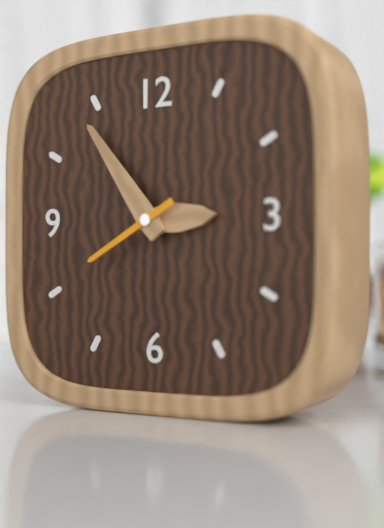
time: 2:54:40
